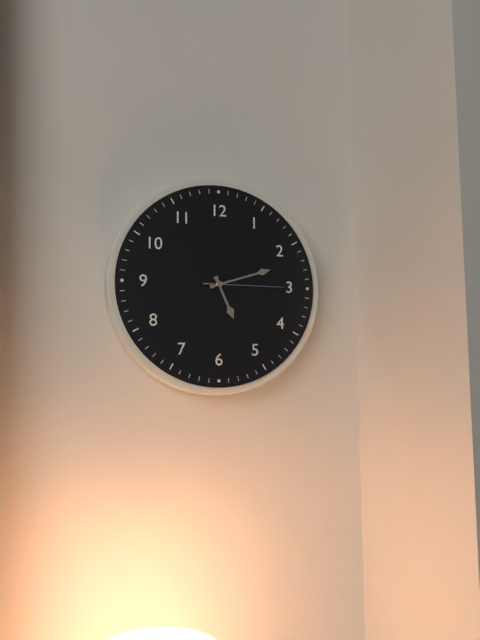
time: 5:12:15
